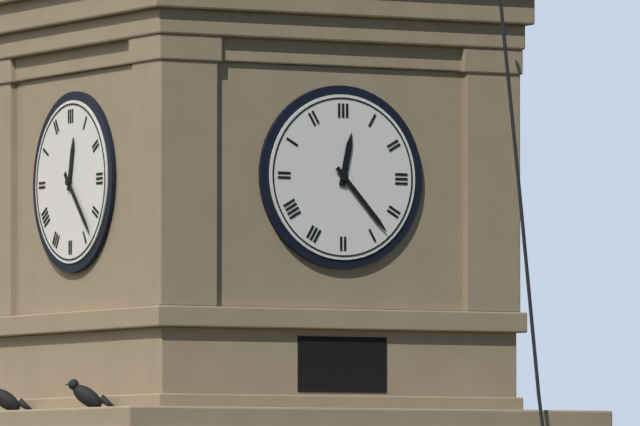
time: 12:23
